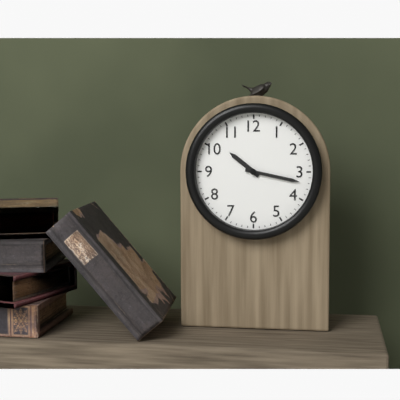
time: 10:17
